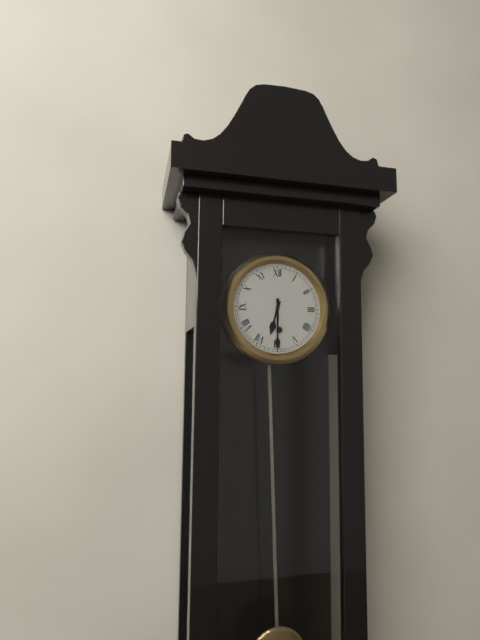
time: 6:30
